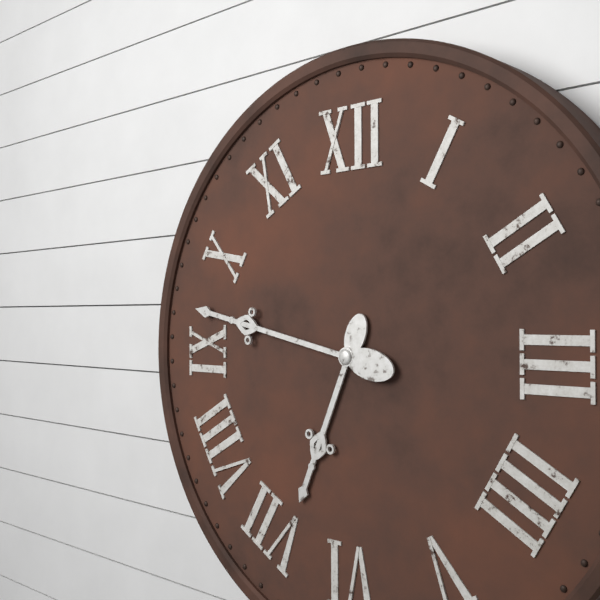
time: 6:47
